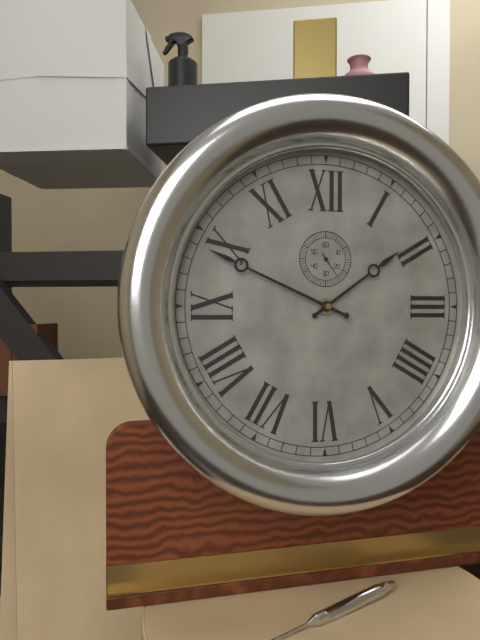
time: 1:49
